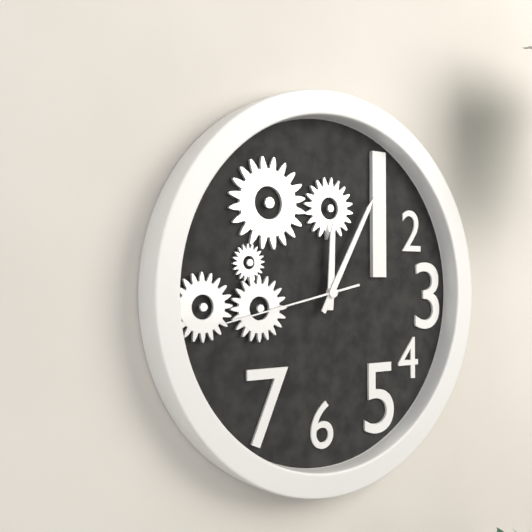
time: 12:05:43
